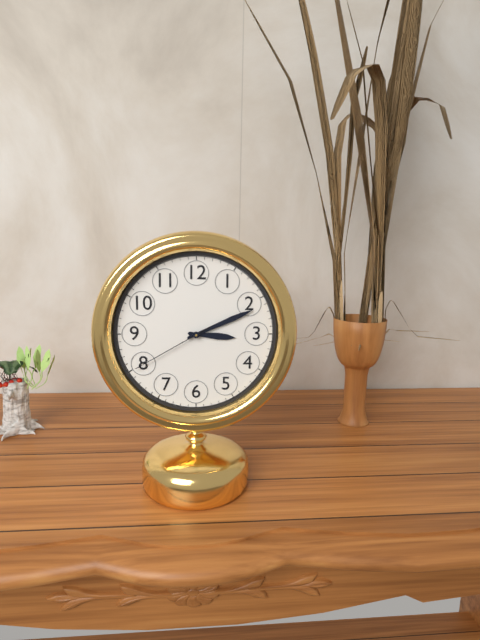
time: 3:11:40
